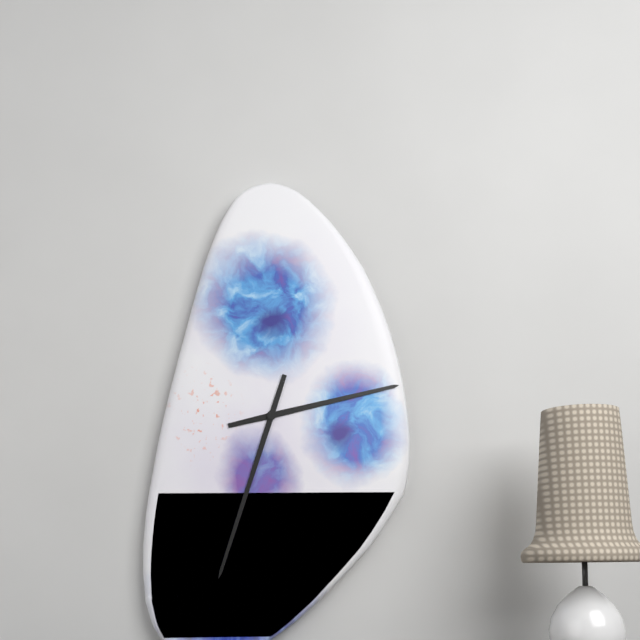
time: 2:33
